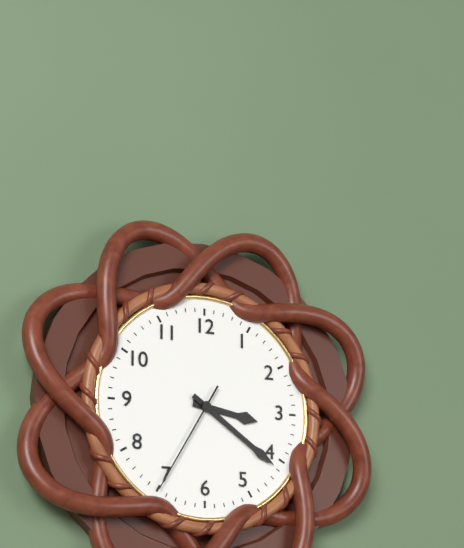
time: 3:21:35
